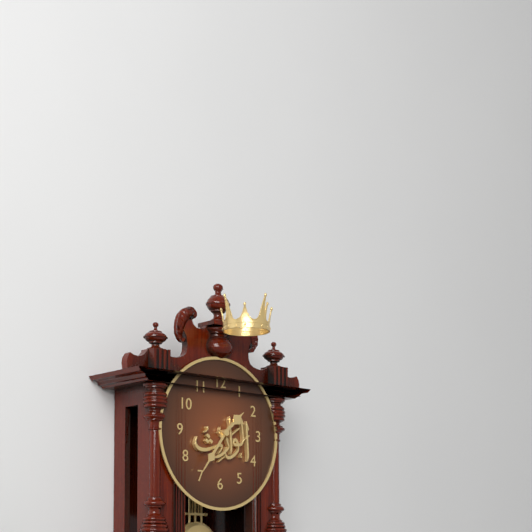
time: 1:36
